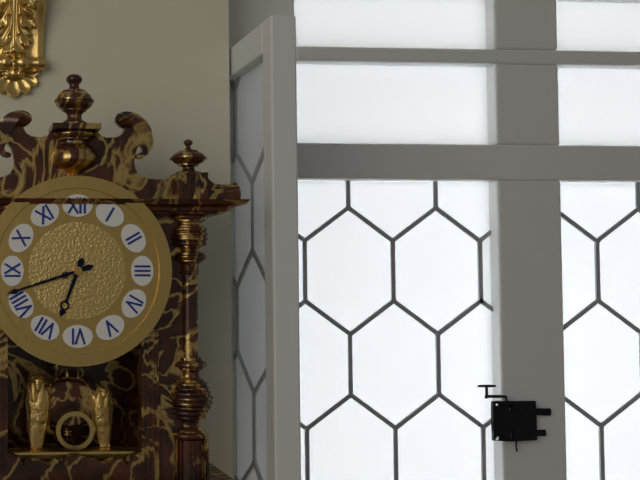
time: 6:42
